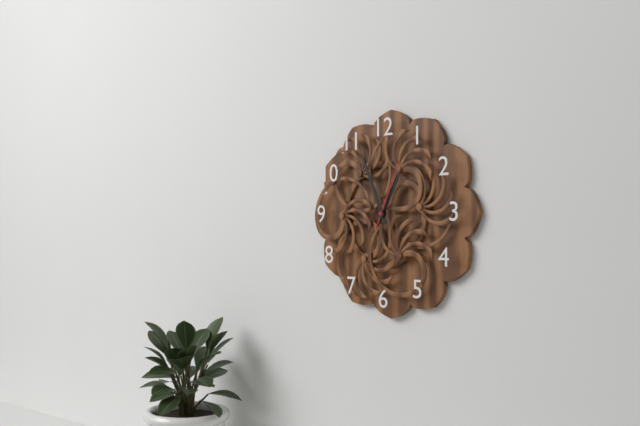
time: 12:56:04
